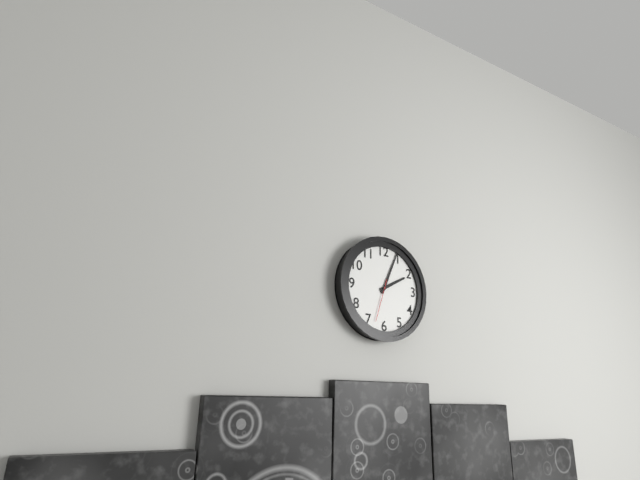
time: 2:04
